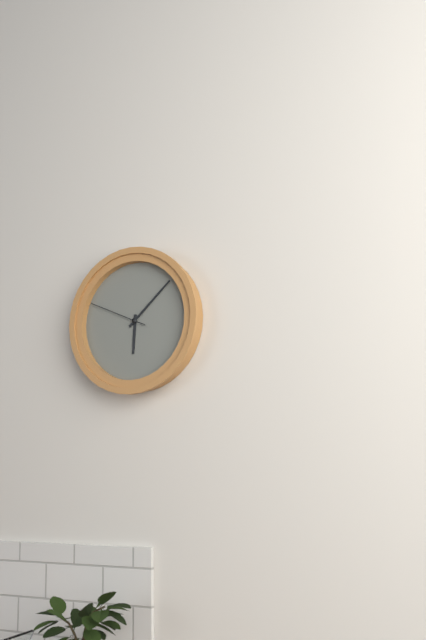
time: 6:08:49
